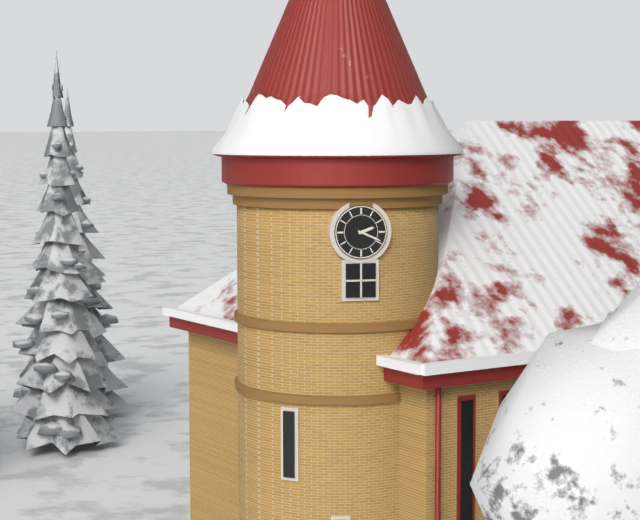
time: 2:19
